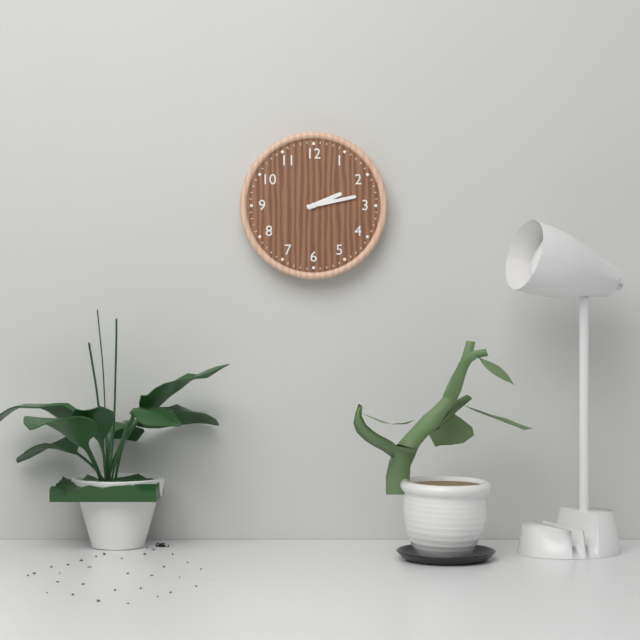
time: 2:13
